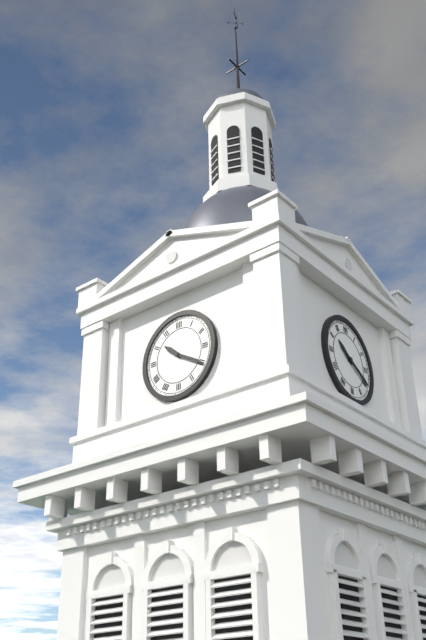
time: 10:20
